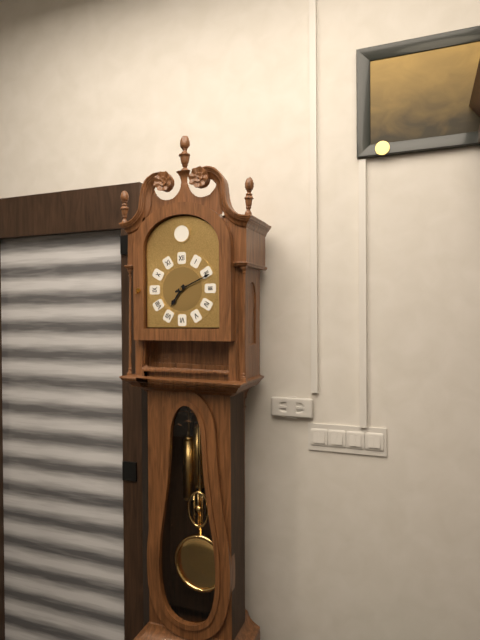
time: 7:11
